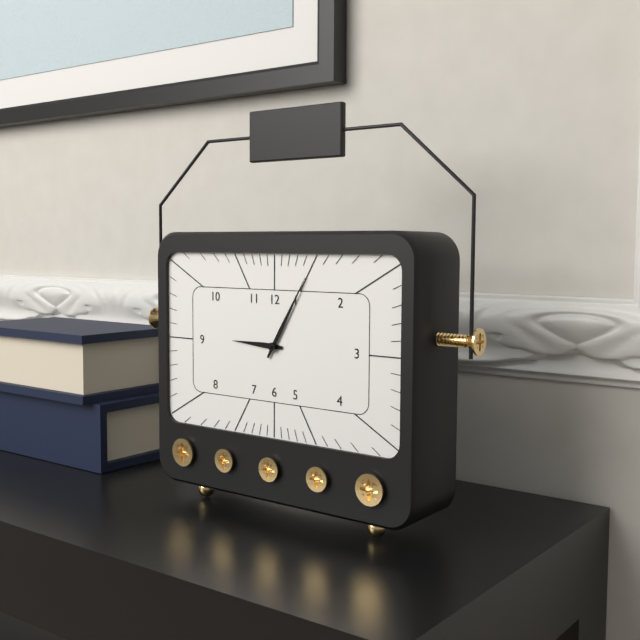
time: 9:05
